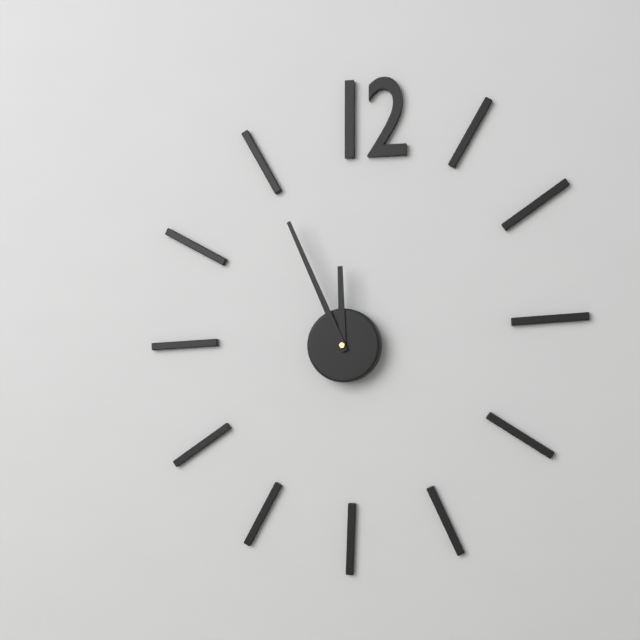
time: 11:56
